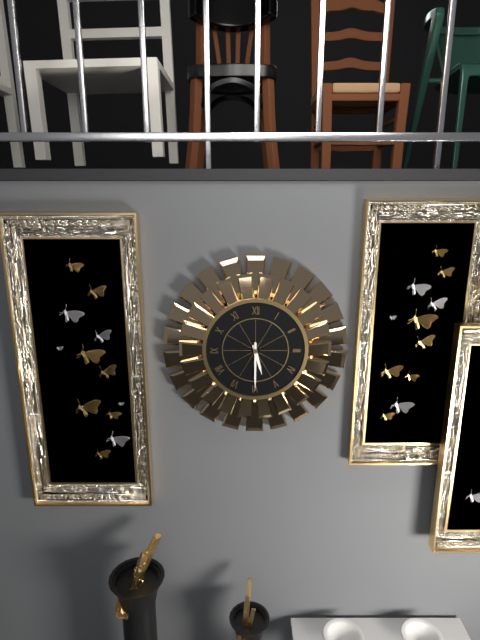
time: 5:30
